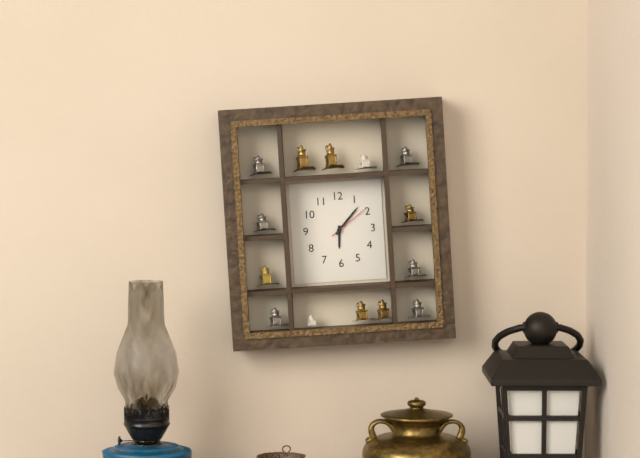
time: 6:07
